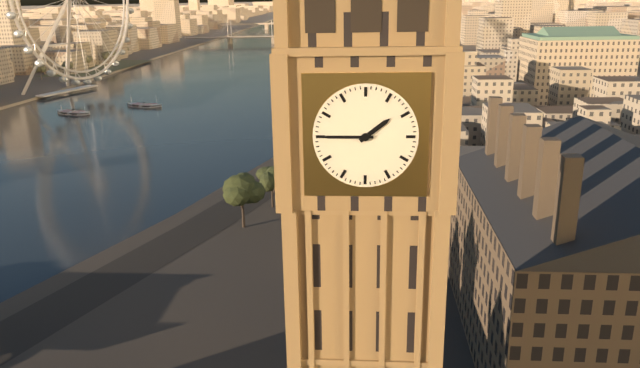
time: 1:45
